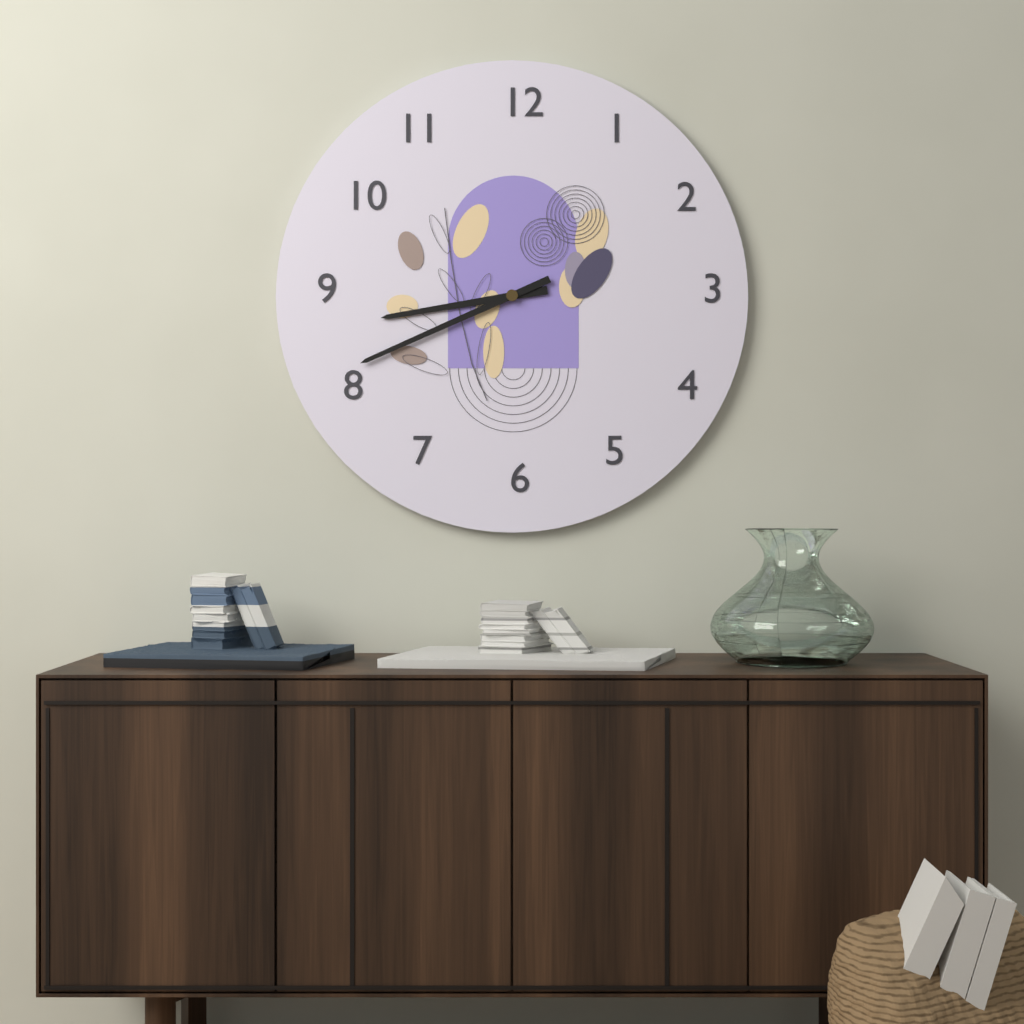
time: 8:41
